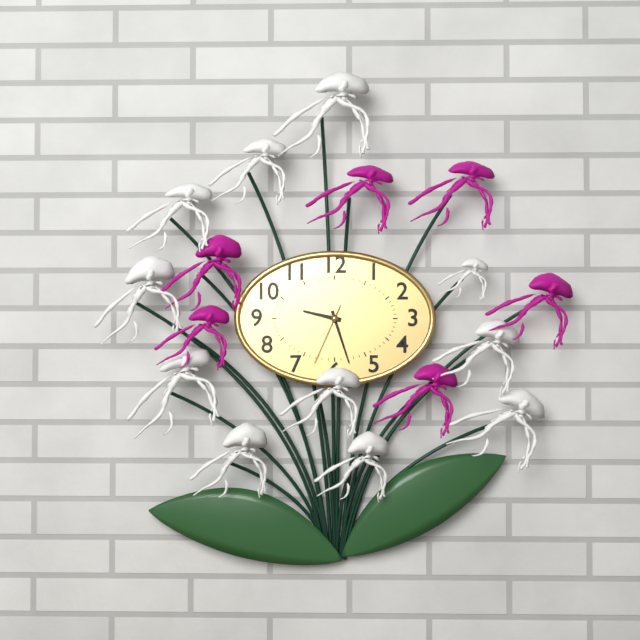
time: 9:27:34
